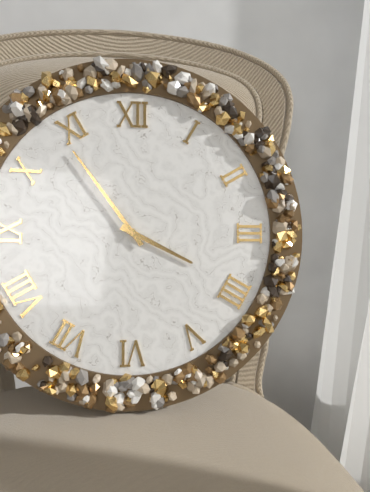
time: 3:54
